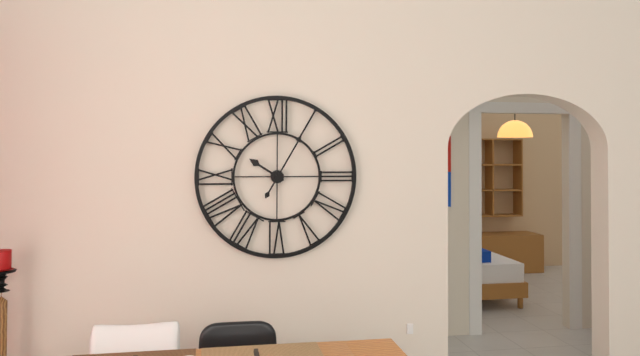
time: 10:05
